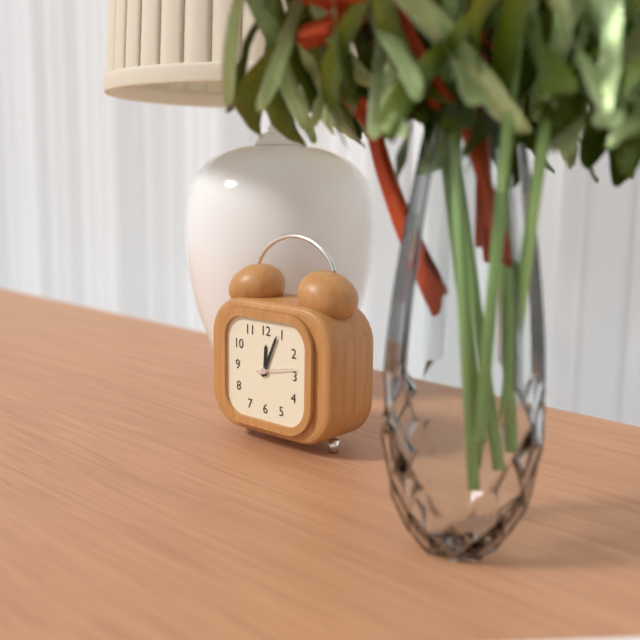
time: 12:04
